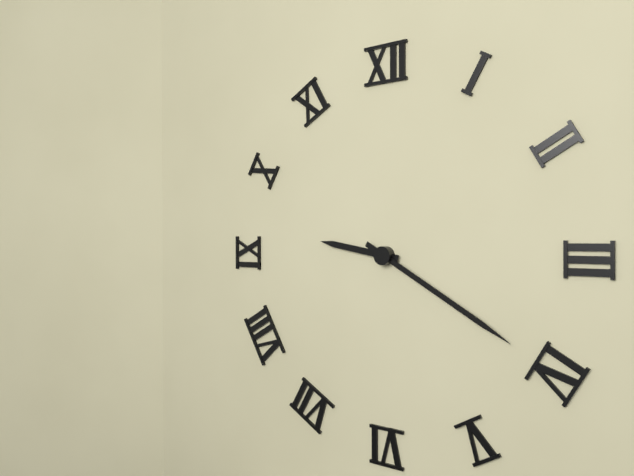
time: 9:20
